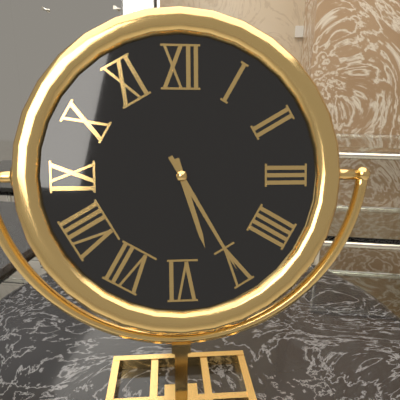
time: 5:25
